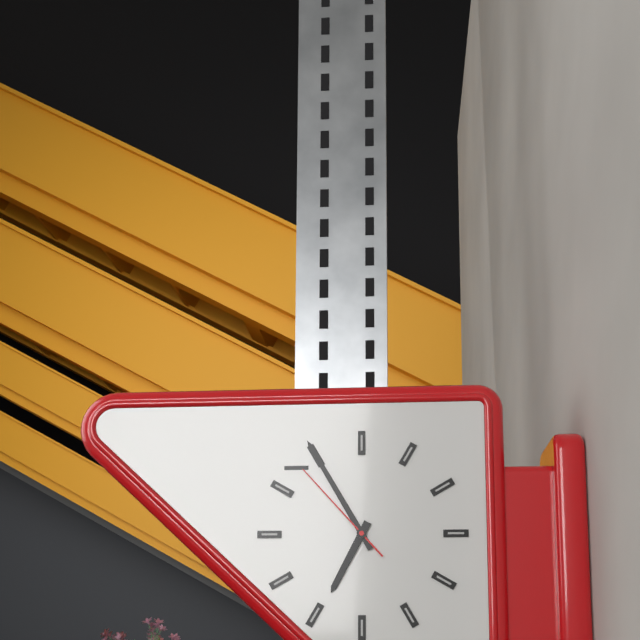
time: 6:55:53
